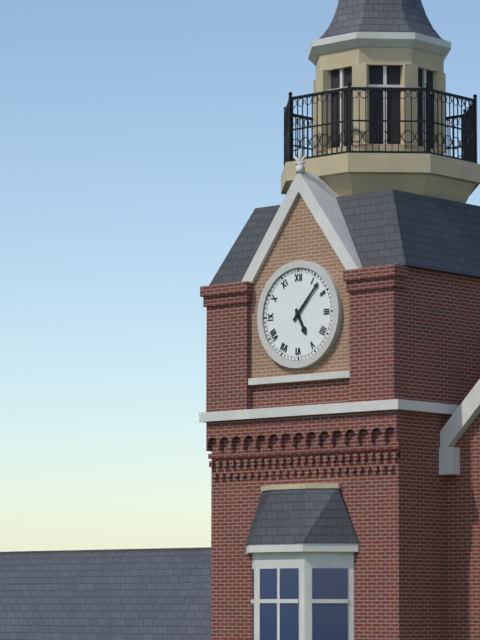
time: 5:07
